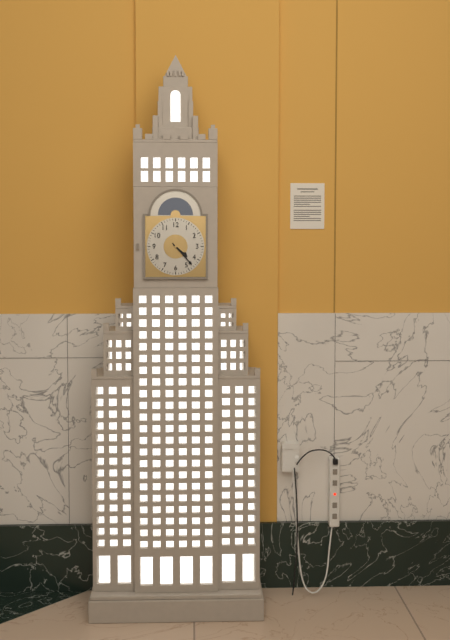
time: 4:23
